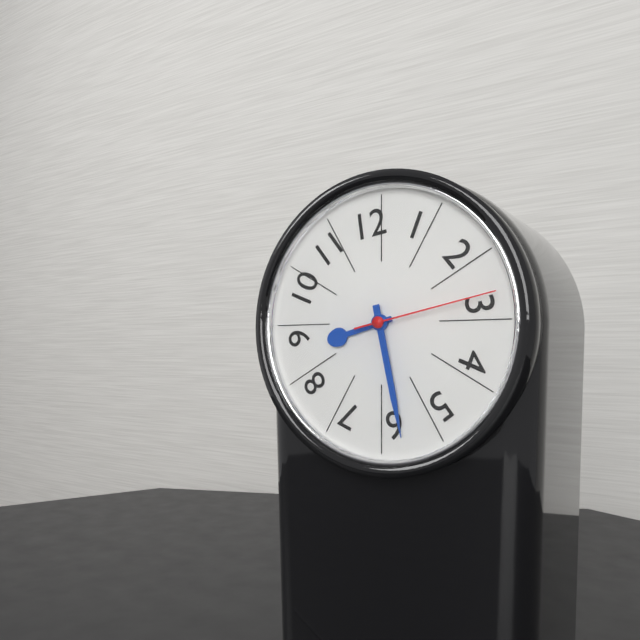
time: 8:28:13
